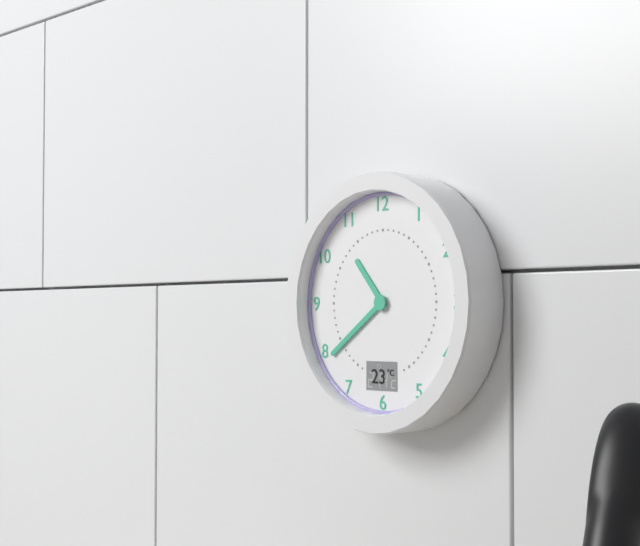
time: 10:39
